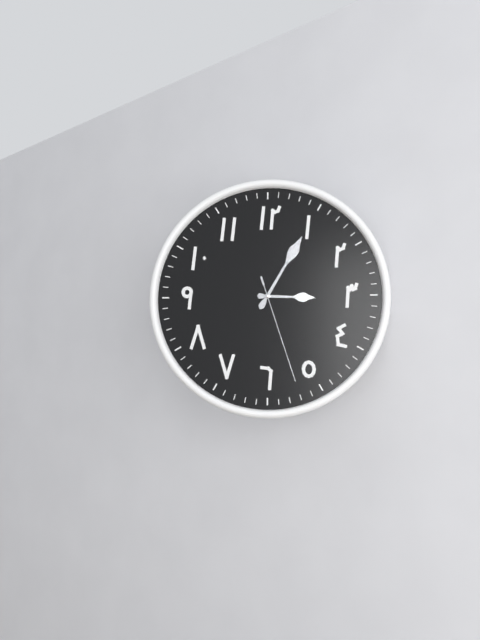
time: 3:05:27
